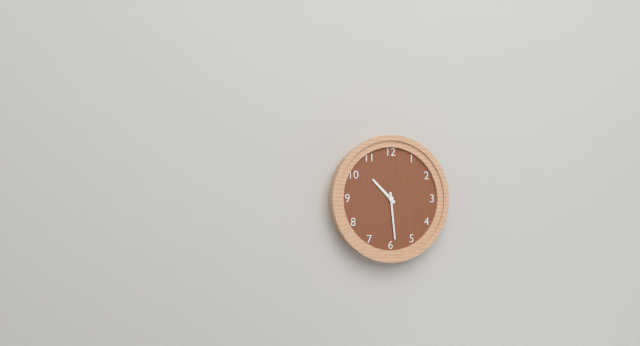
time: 10:29
